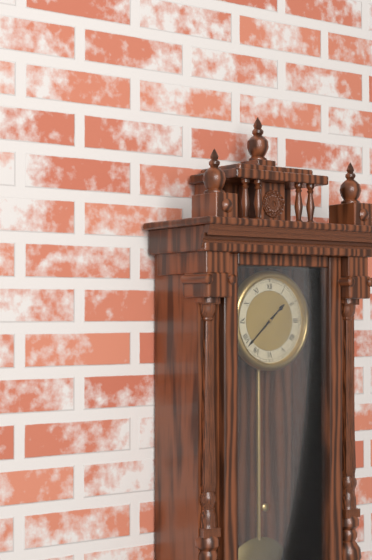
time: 1:38
